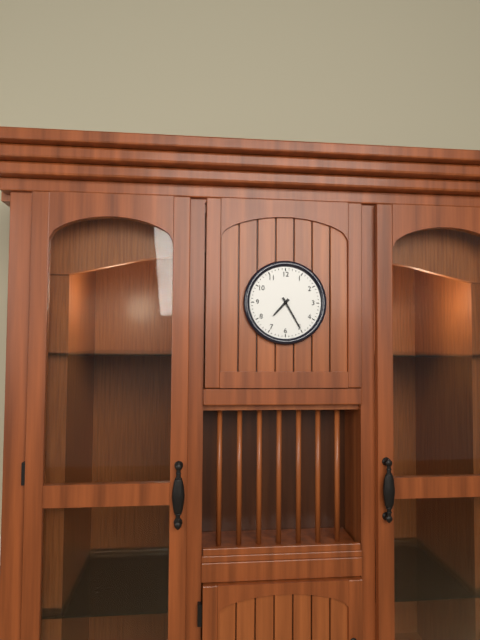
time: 7:25
